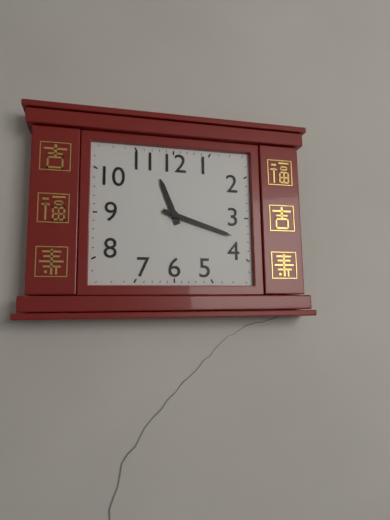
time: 11:18
